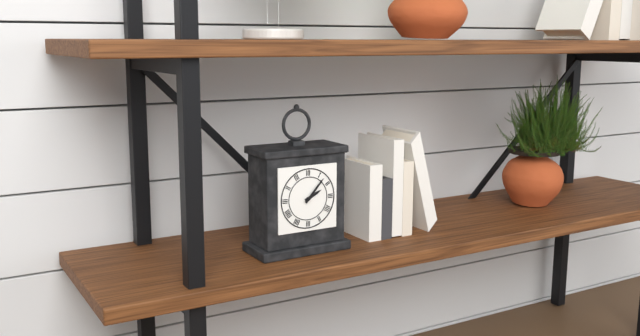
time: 2:07
